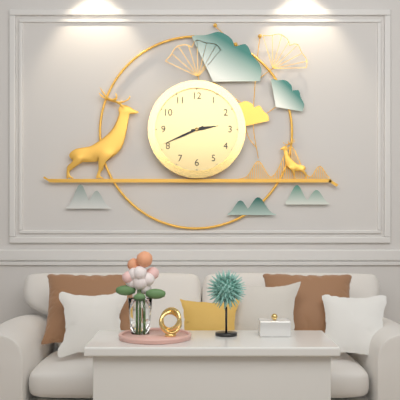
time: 2:41
